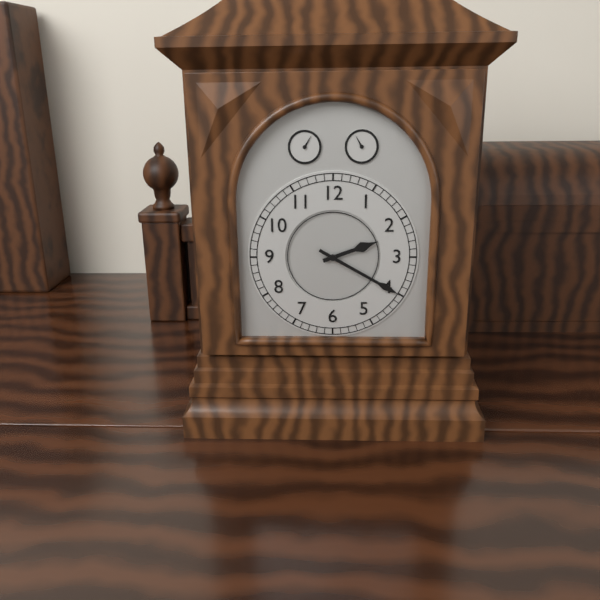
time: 2:20
